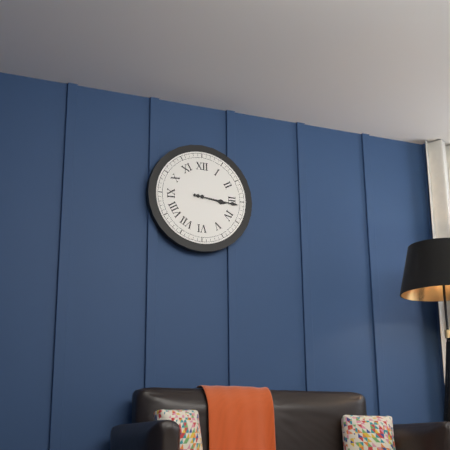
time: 3:16
